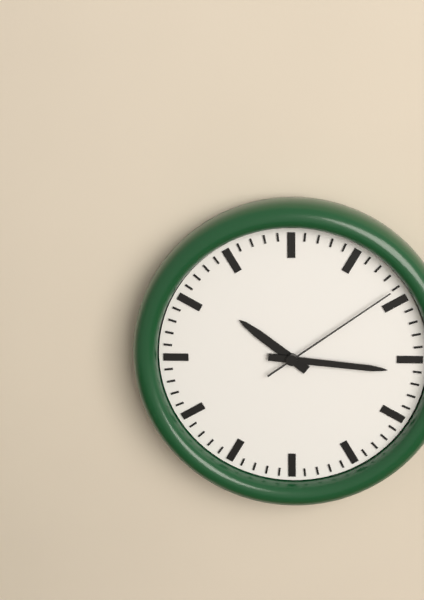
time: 10:16:09
